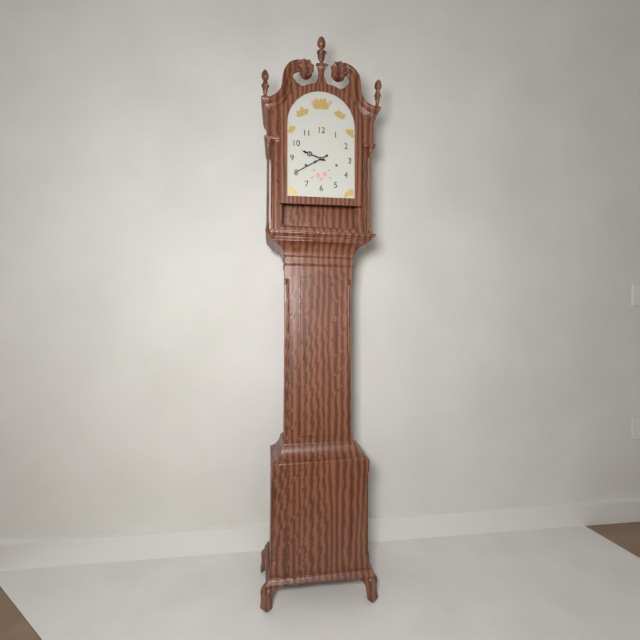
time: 9:40
